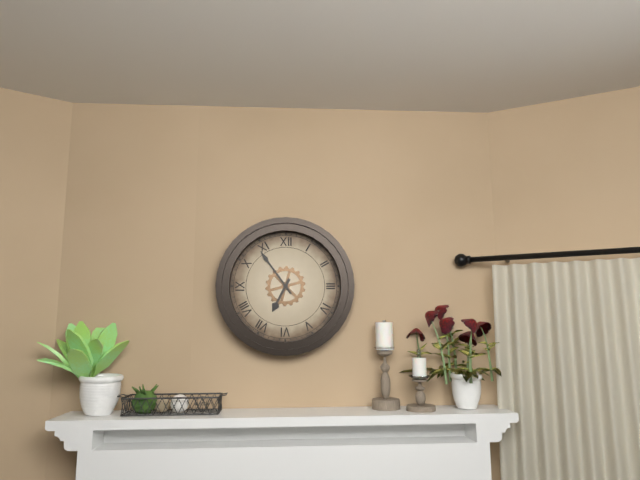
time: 6:54
